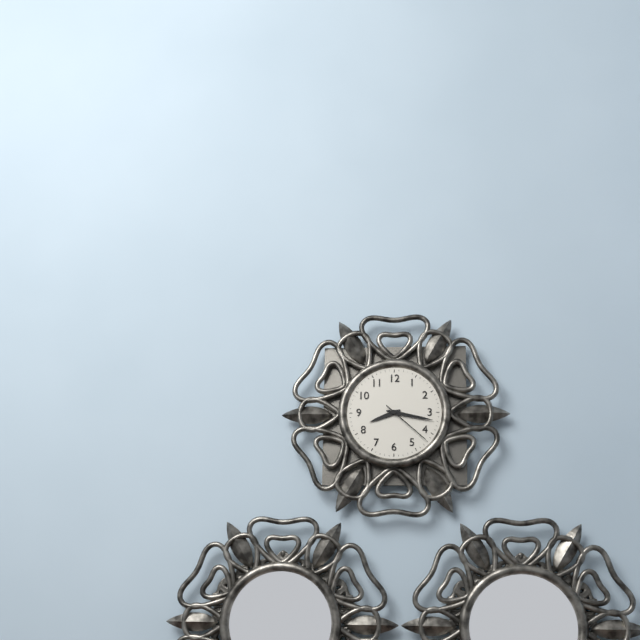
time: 8:17:22
